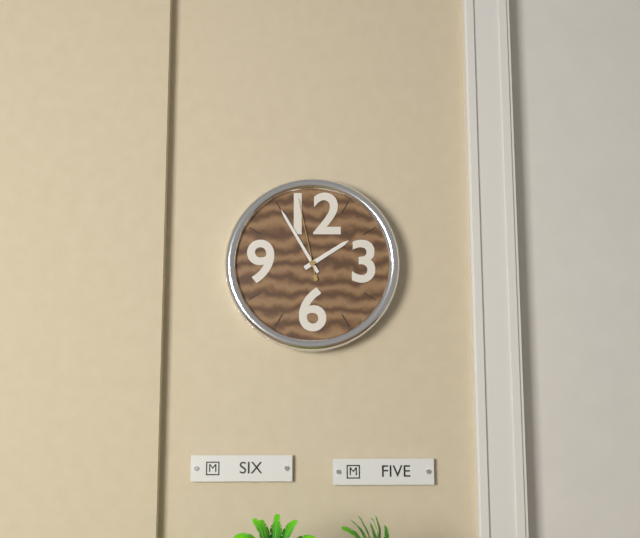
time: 1:55:58
